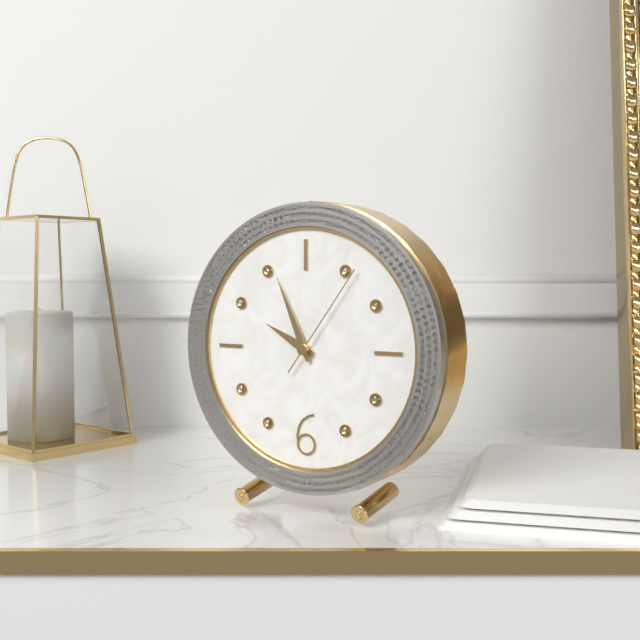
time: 9:56:06
